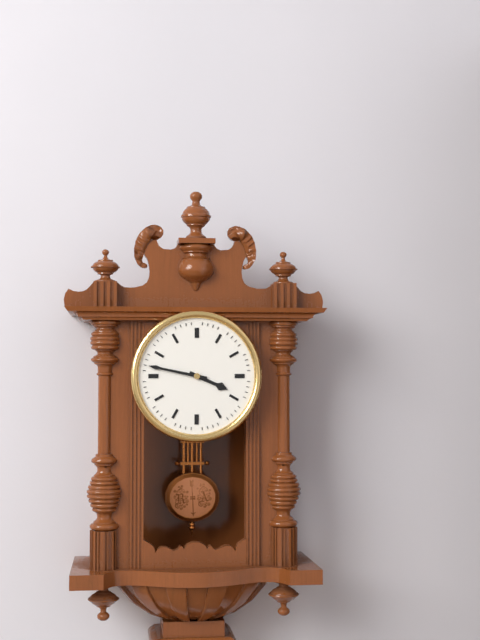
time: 3:47
